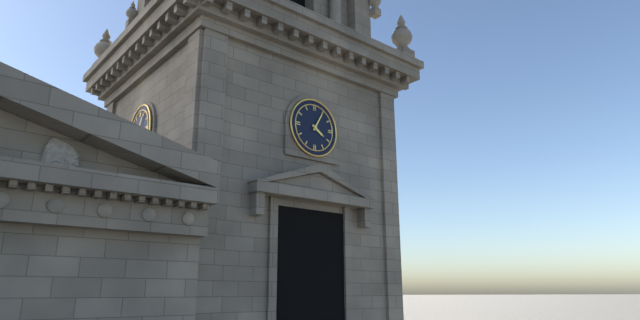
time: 4:05
